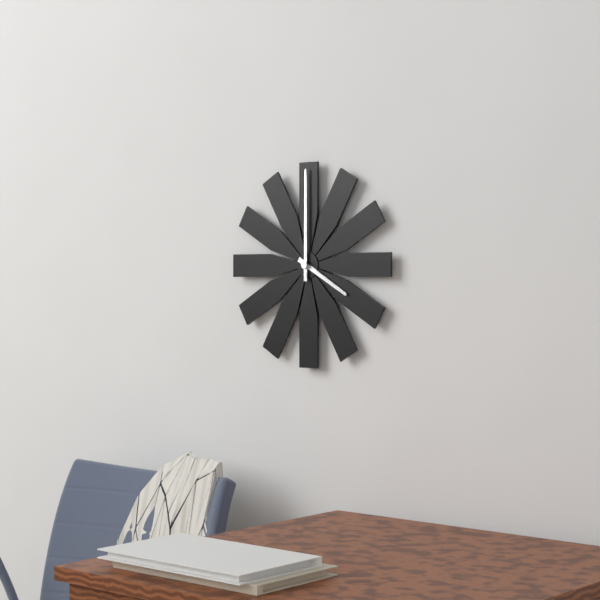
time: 4:00
